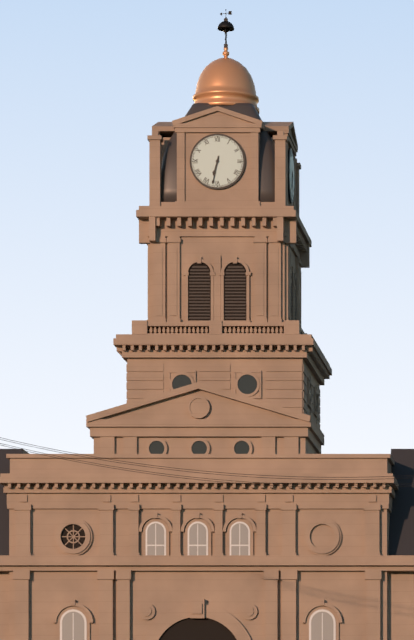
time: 6:32
